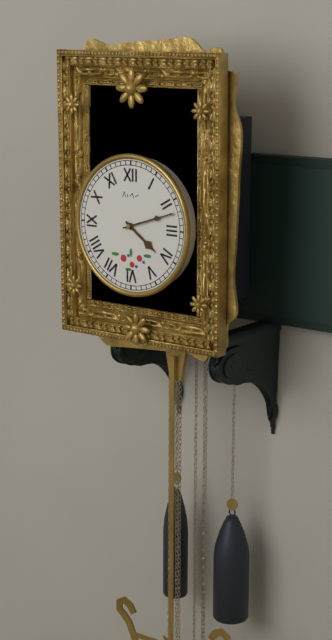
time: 4:12
